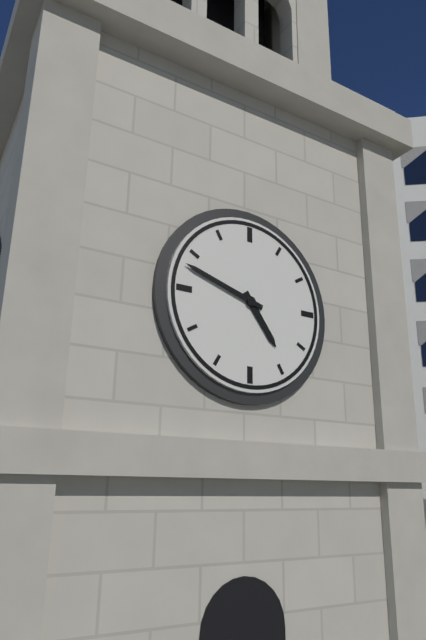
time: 4:48
